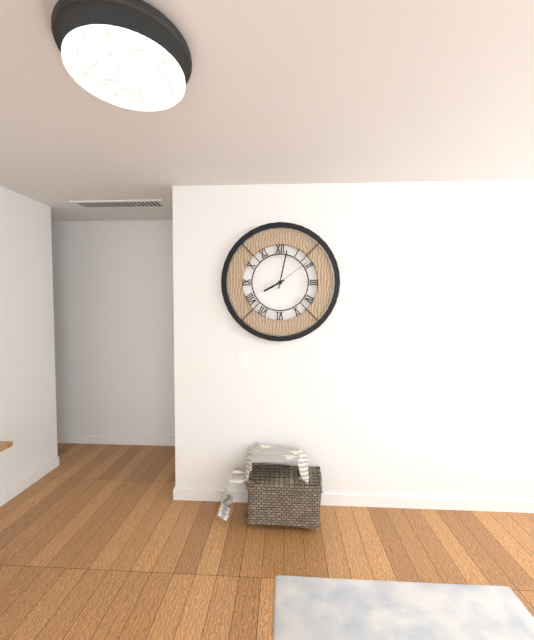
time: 8:02
